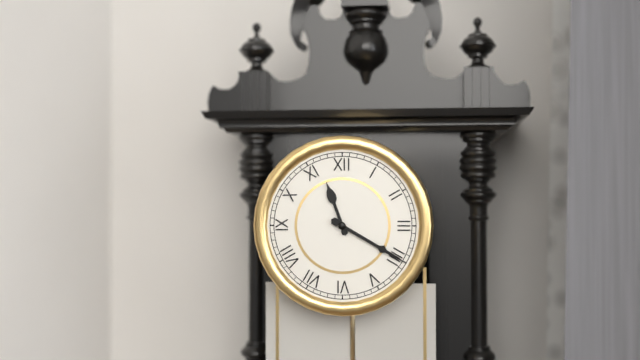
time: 11:20
